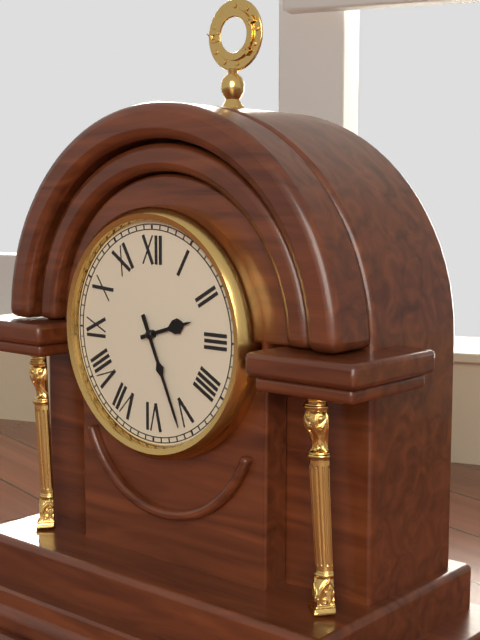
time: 2:26
